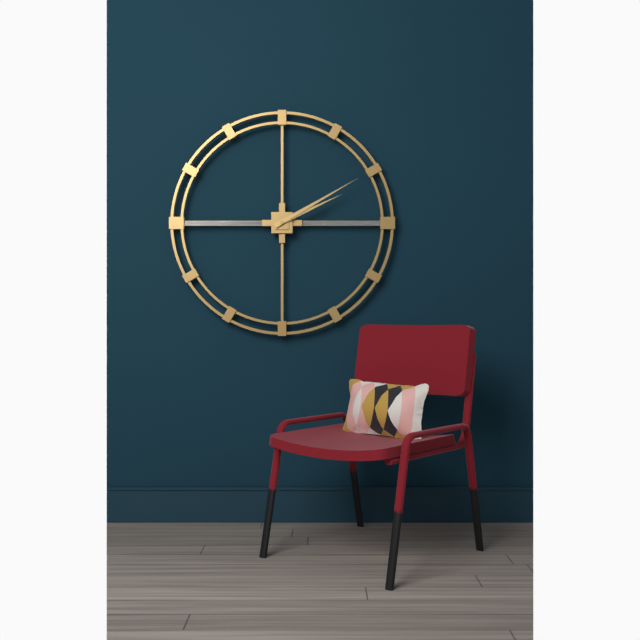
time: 2:10
